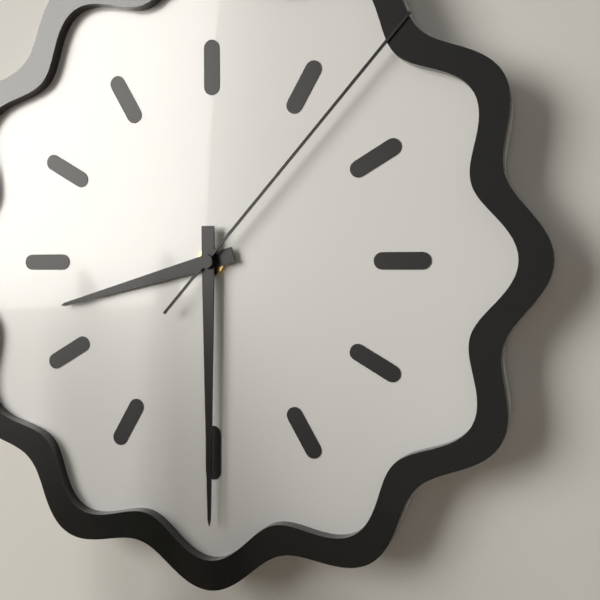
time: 8:30:07
